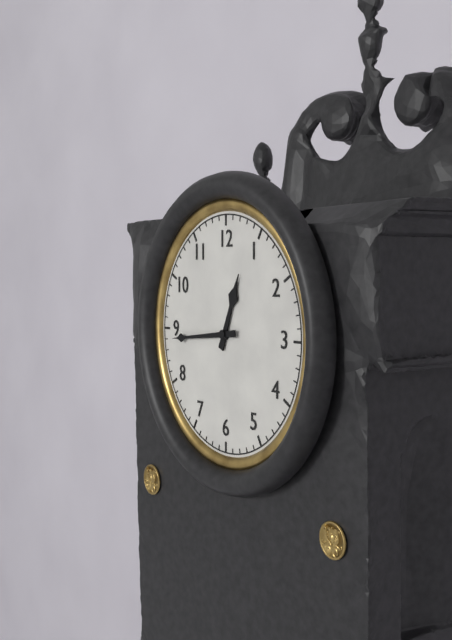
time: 12:44
